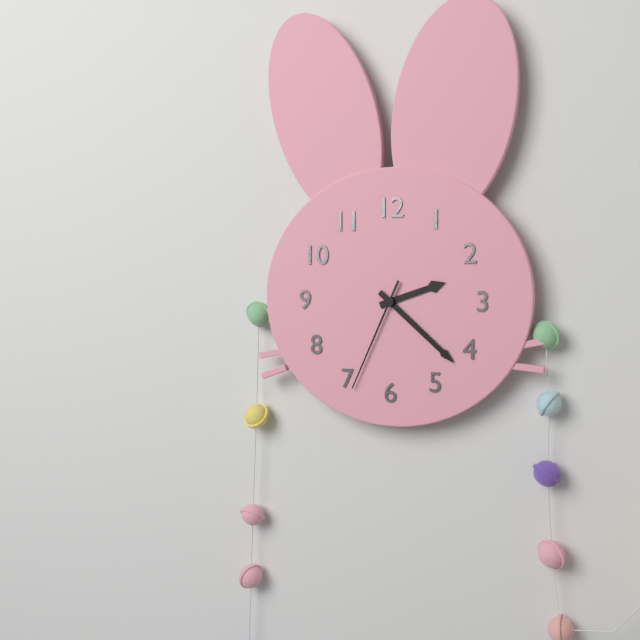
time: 2:22:34
